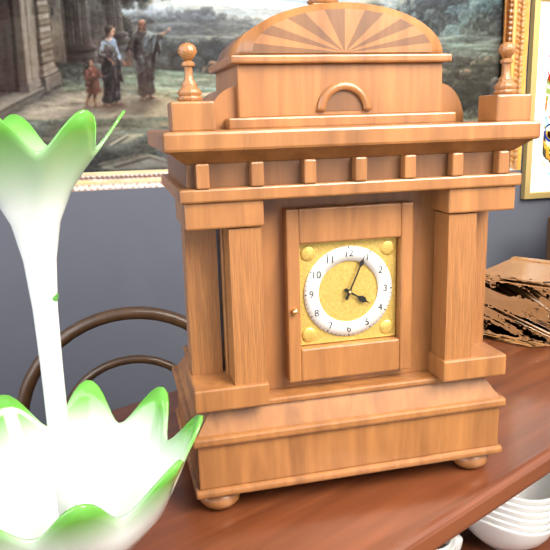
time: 4:04
